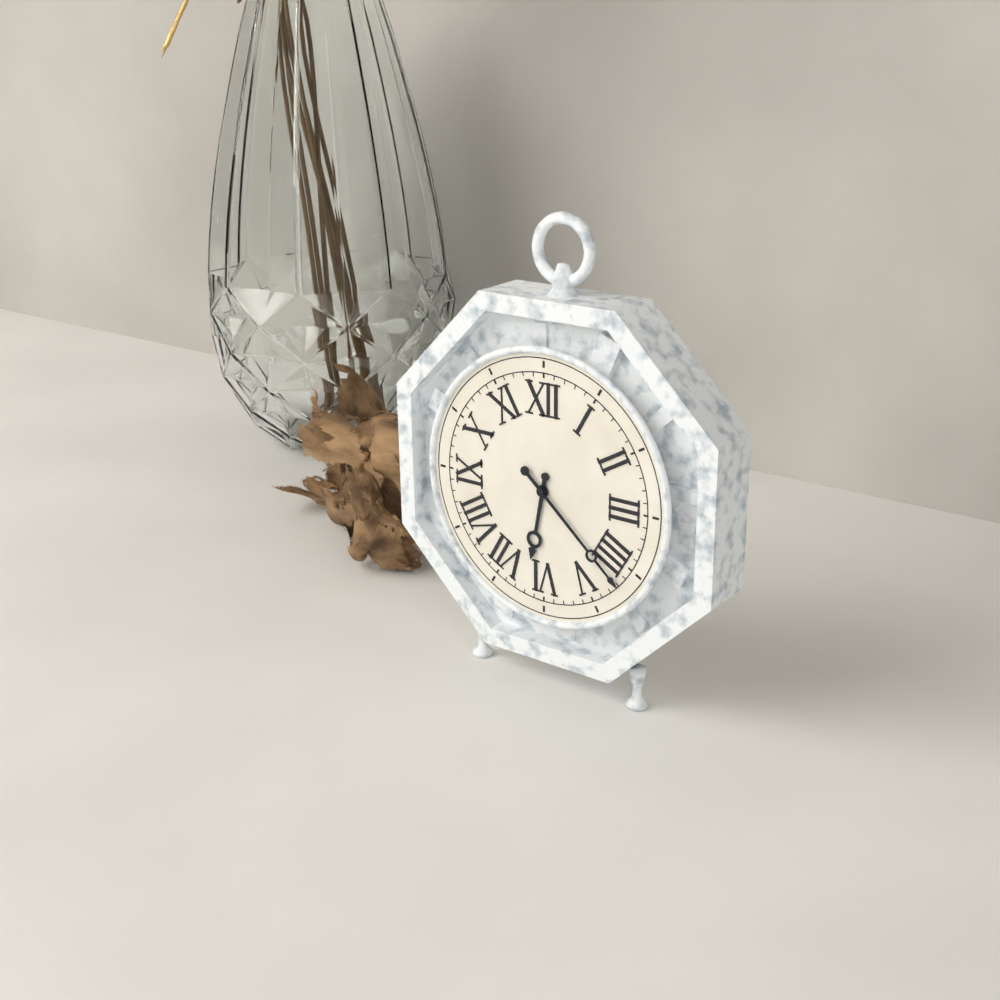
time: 6:22
